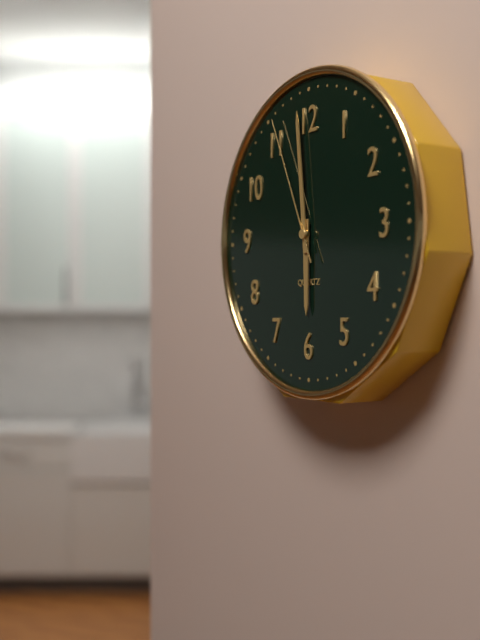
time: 5:59:56
